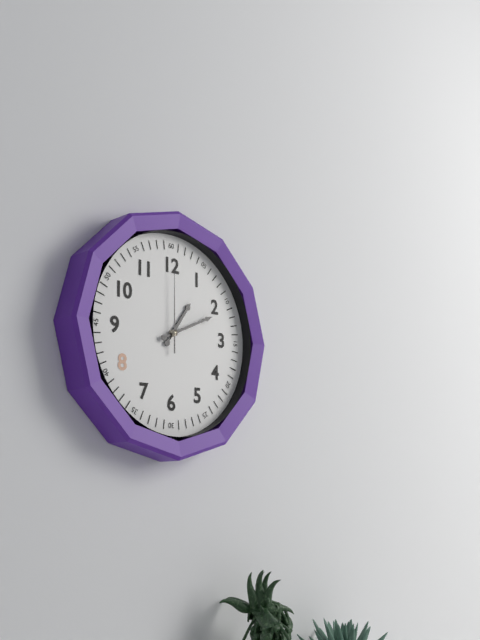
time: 1:11:00
